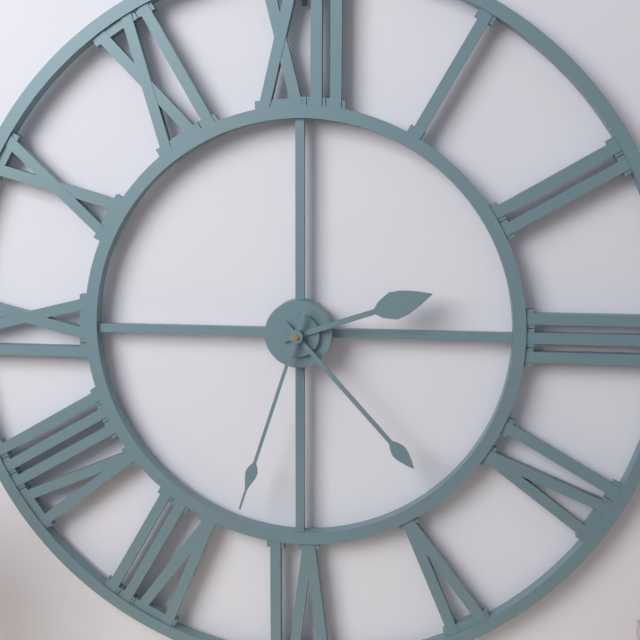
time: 2:23:33
